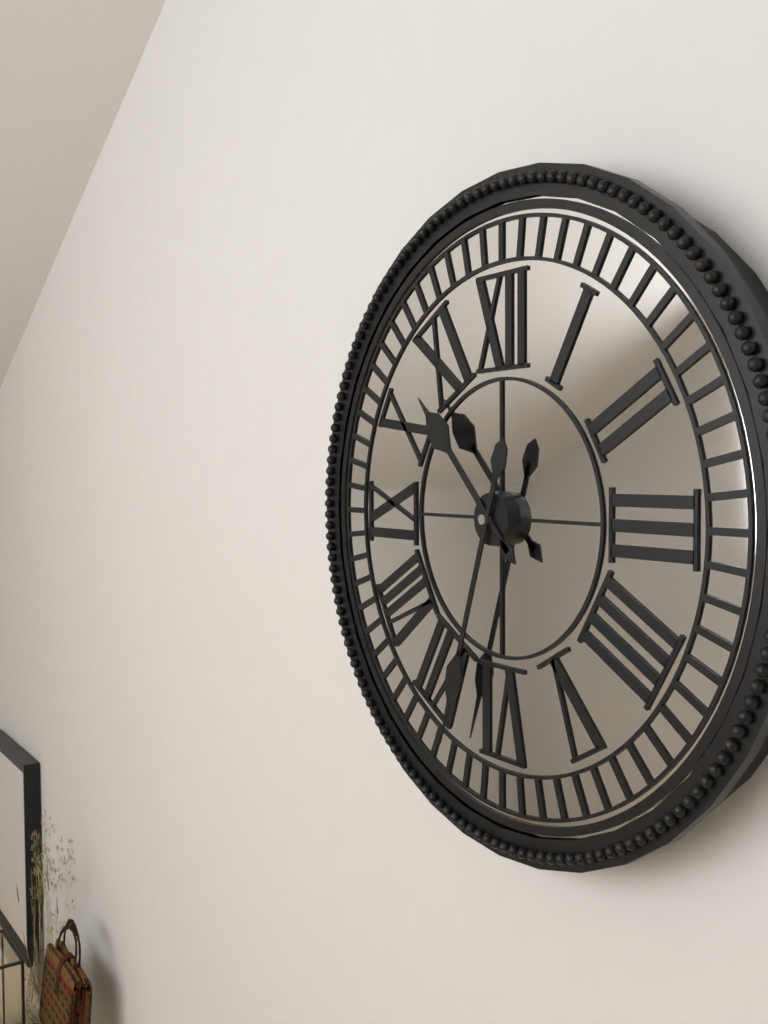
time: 10:33
